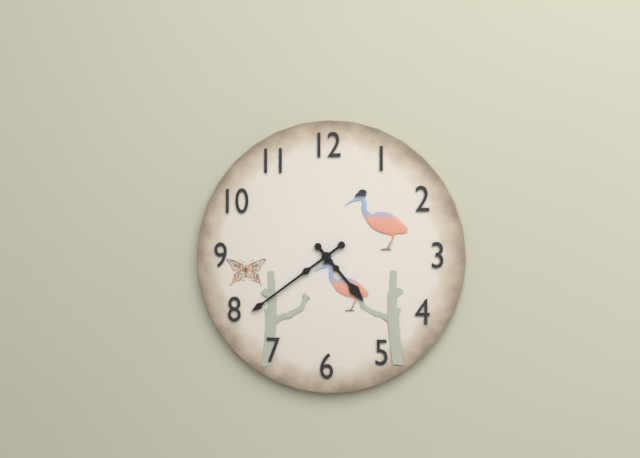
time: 4:39
